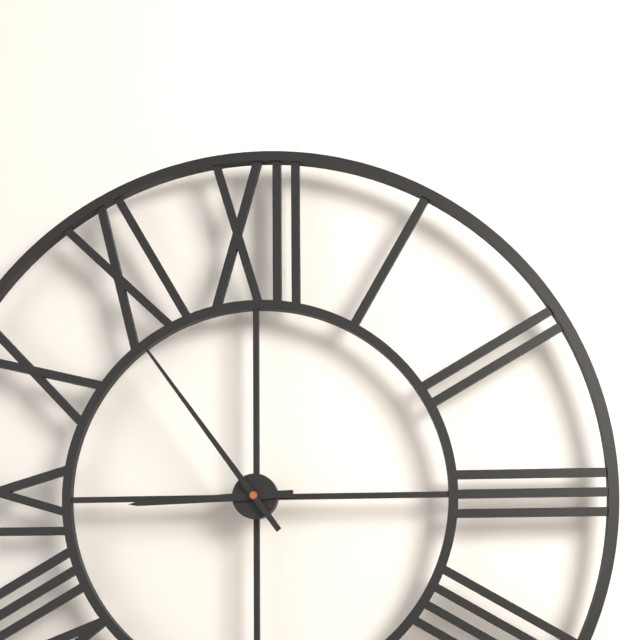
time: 8:54
